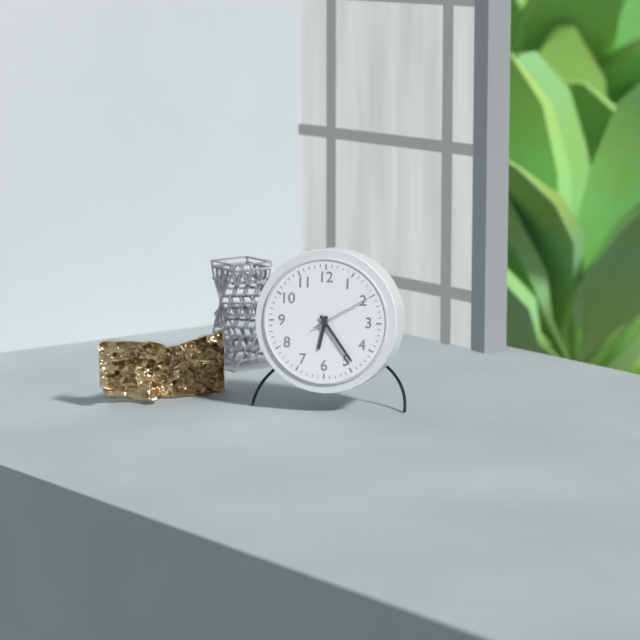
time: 6:24:10
